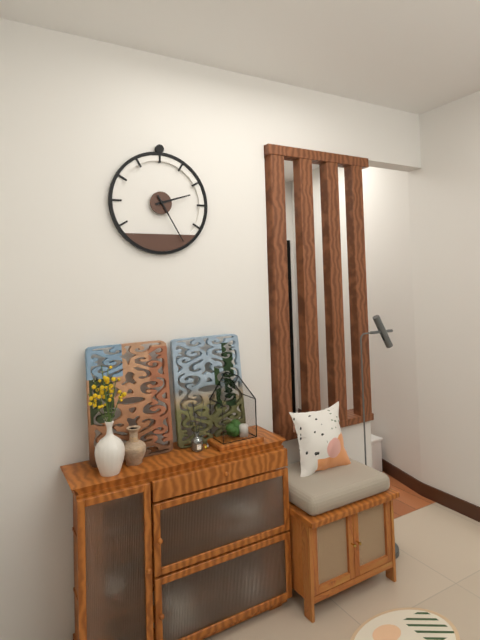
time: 2:25
